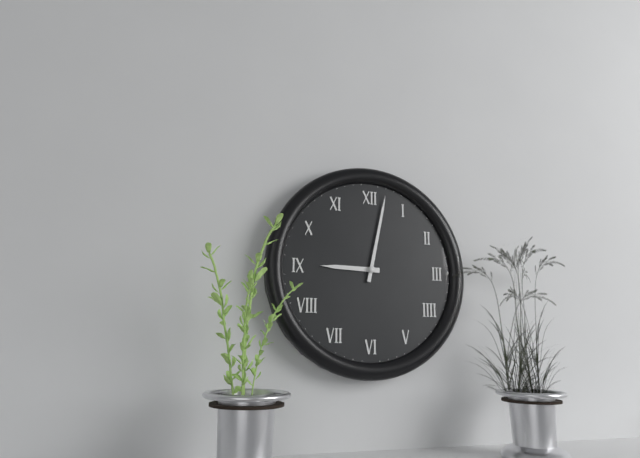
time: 9:02
